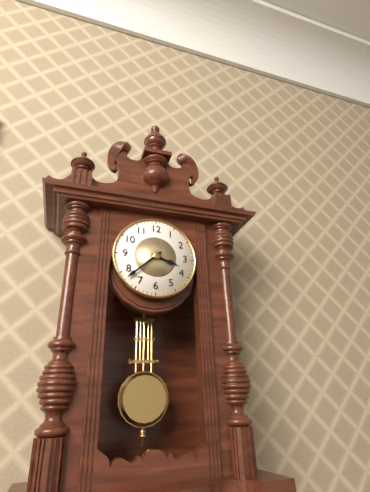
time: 3:38
